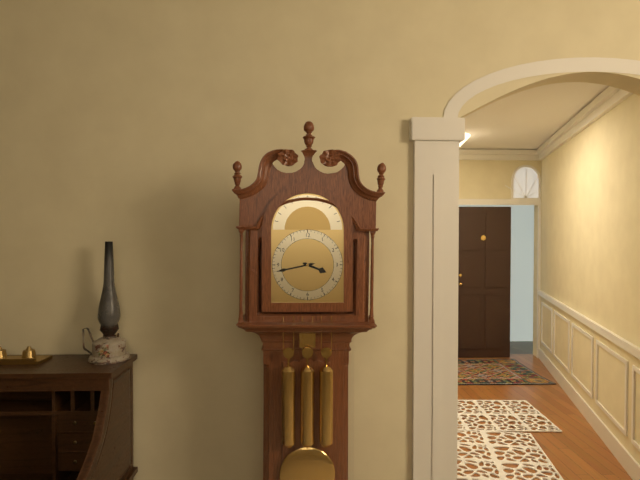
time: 3:43
